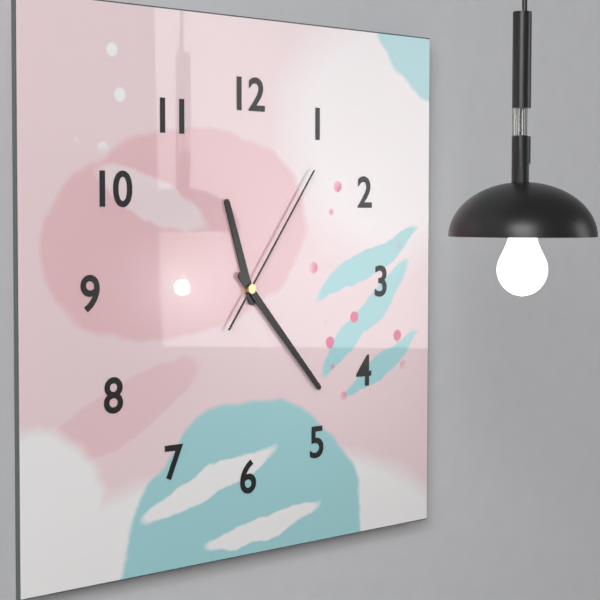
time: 11:23:06
